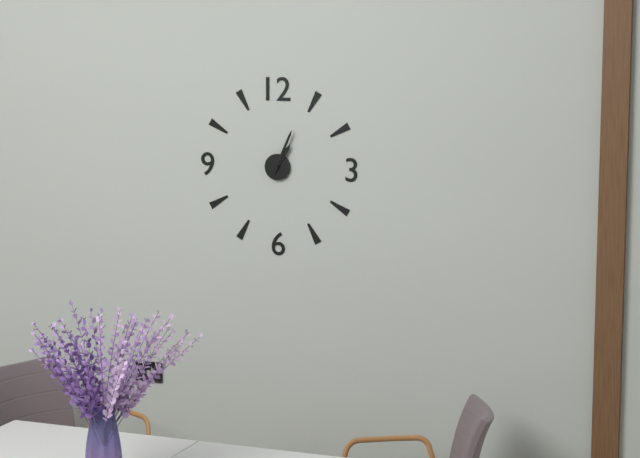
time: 1:04
